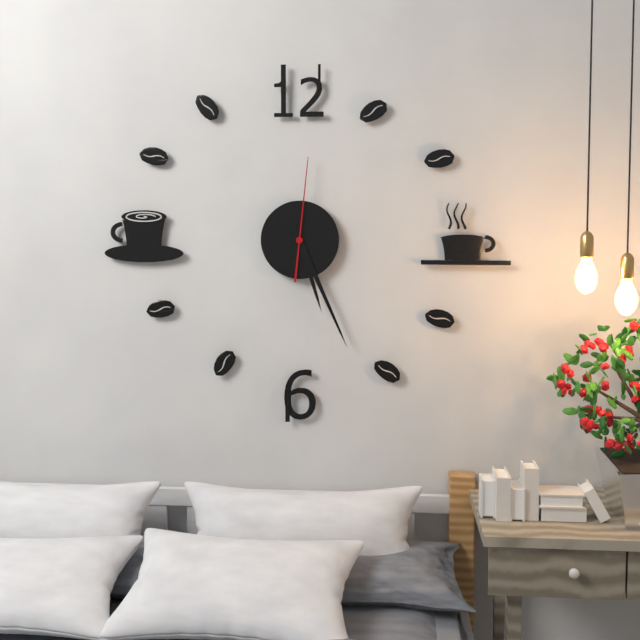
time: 5:26:01
